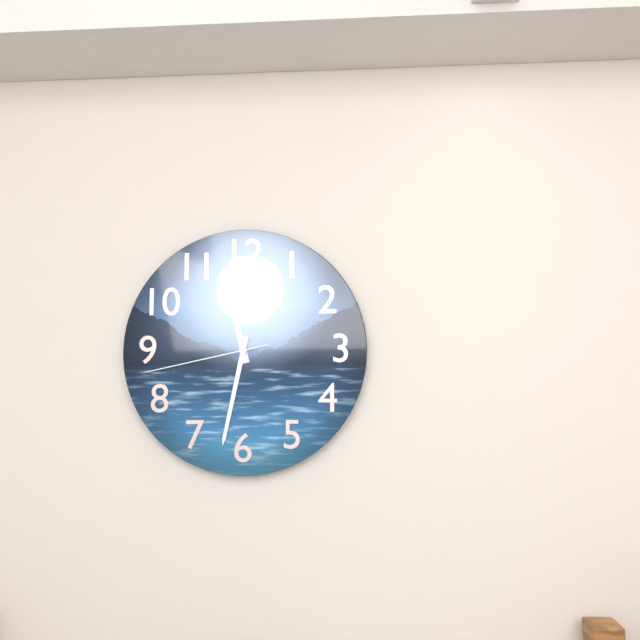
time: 11:32:43
